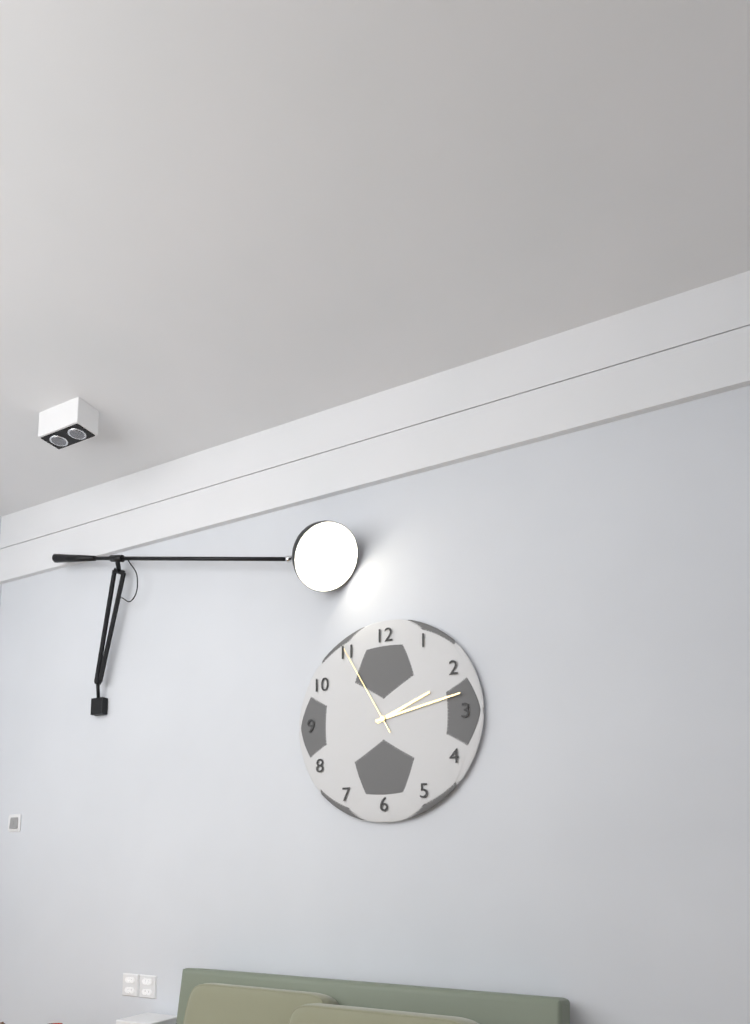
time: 2:13:55
